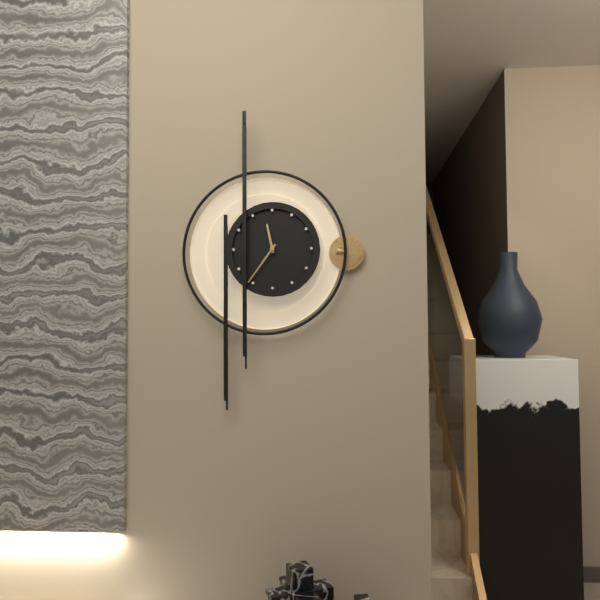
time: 11:36
